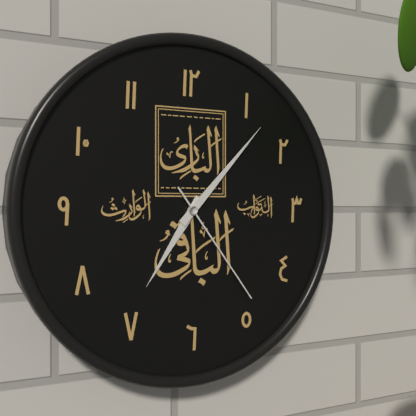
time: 7:07:24
